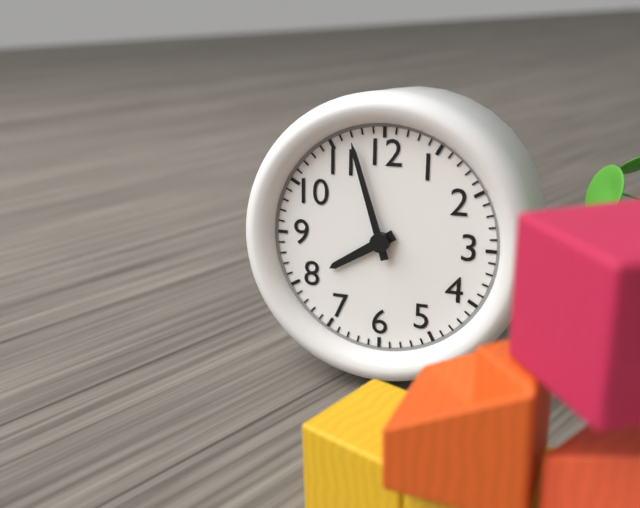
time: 7:57
